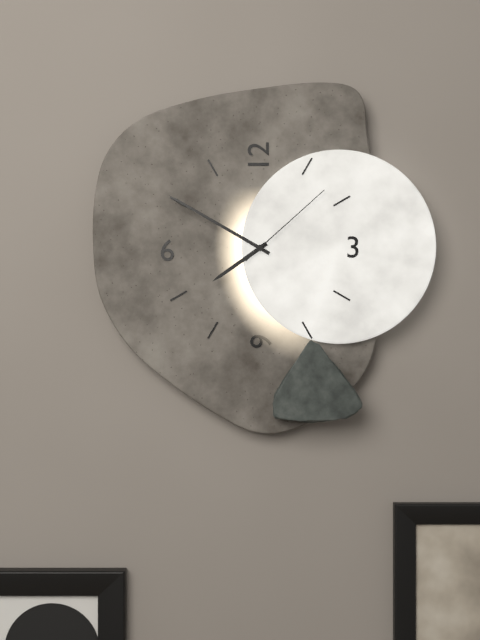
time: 7:50:08
